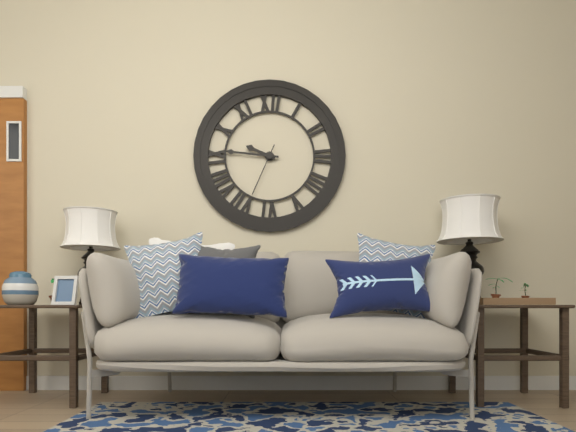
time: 9:46:34
